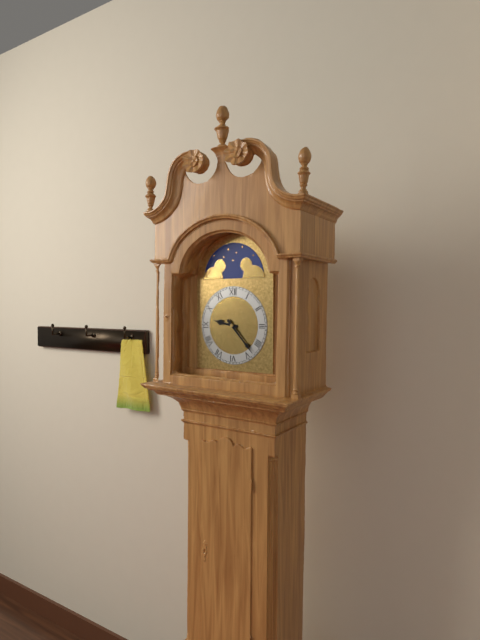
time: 9:23
